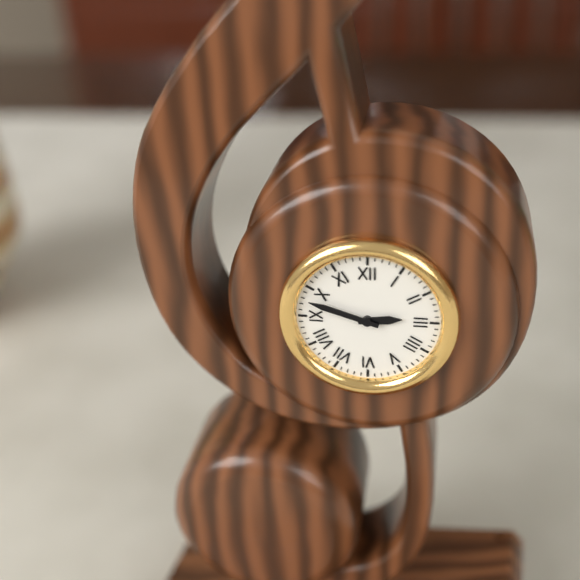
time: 2:48
